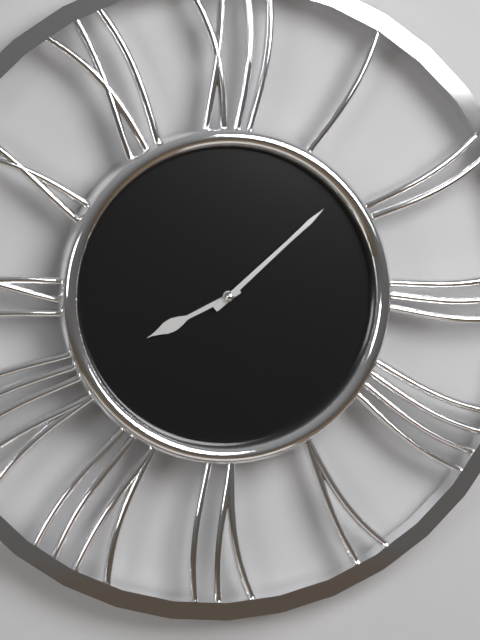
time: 8:08
